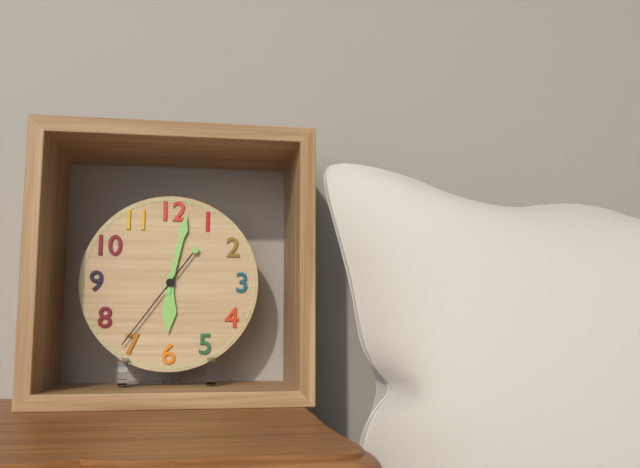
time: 6:02:36
